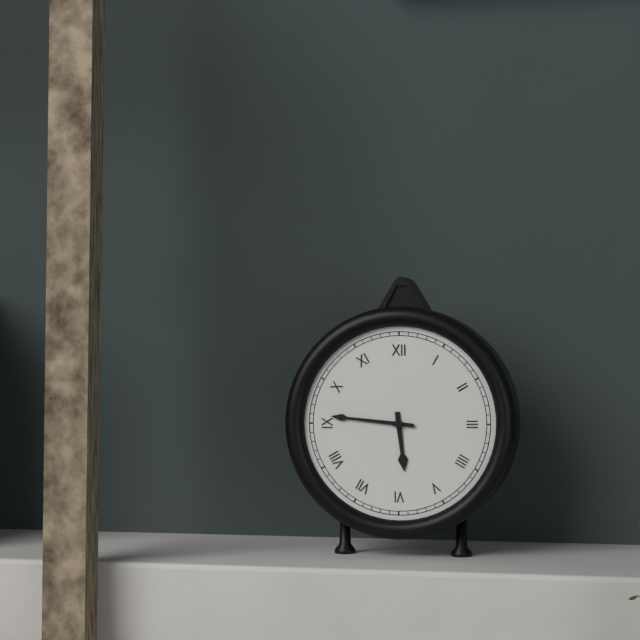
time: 5:46
